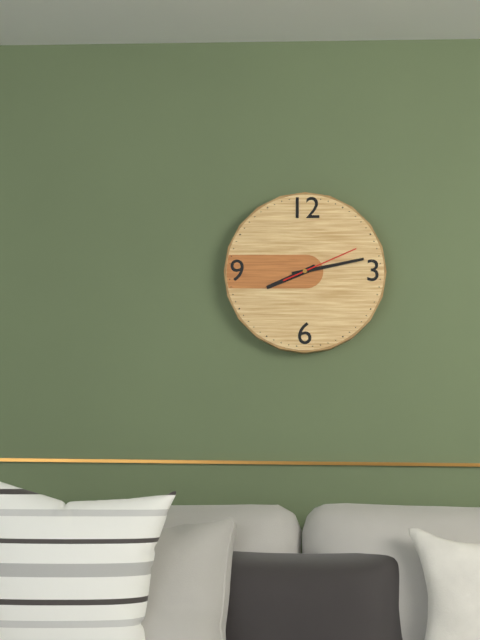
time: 8:13:11
